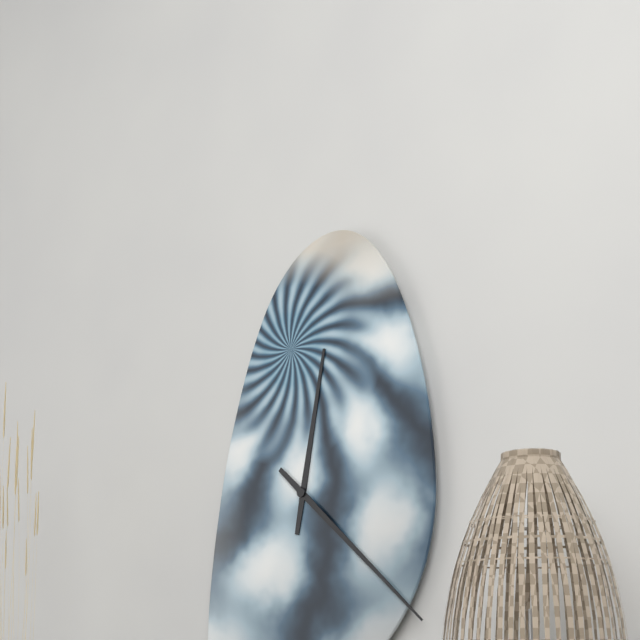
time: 12:22
